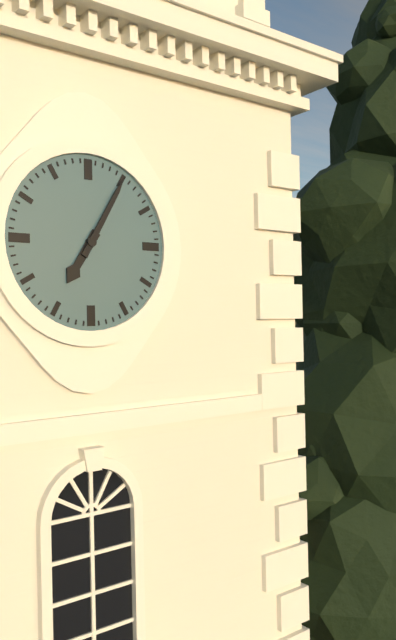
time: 7:05
